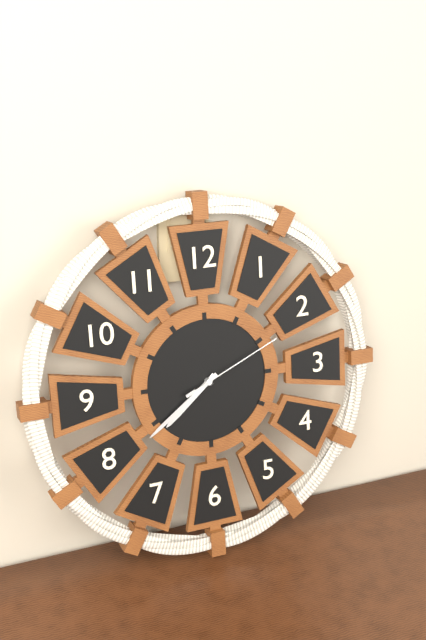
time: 7:39:11
